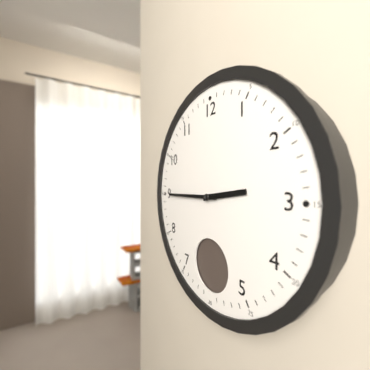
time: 2:45
